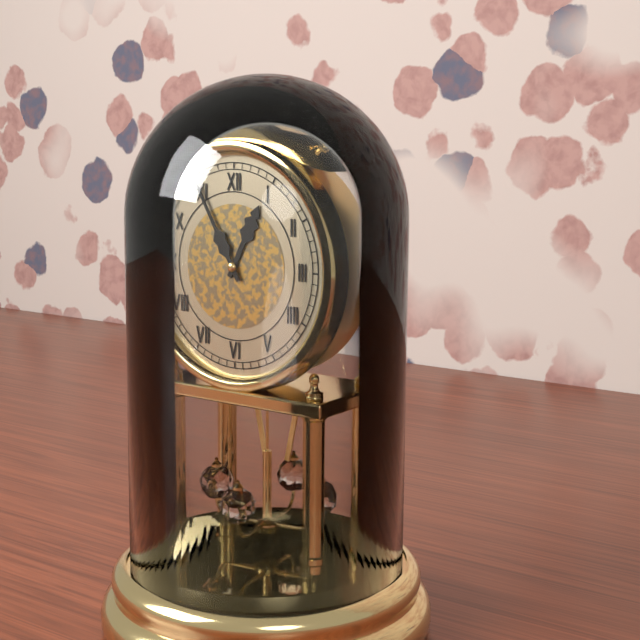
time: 12:55
